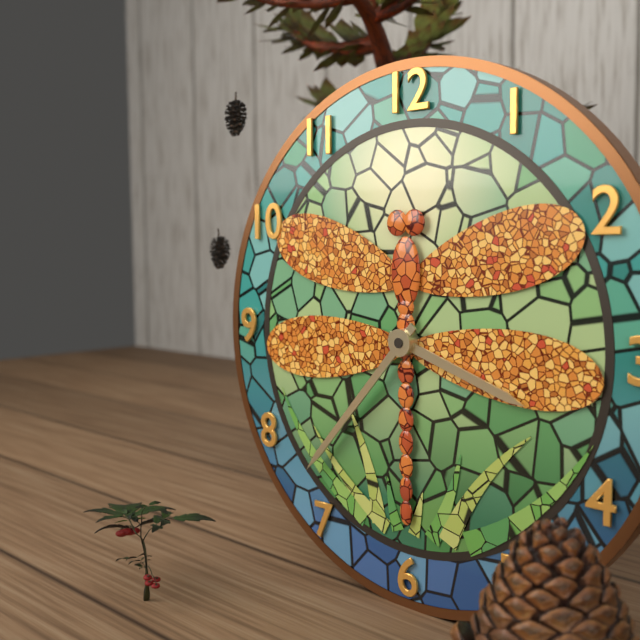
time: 3:37
